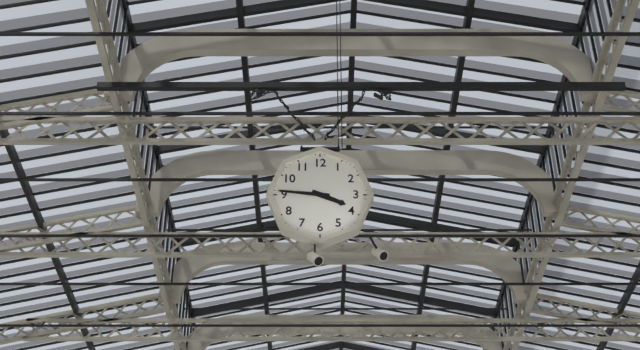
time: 3:46
